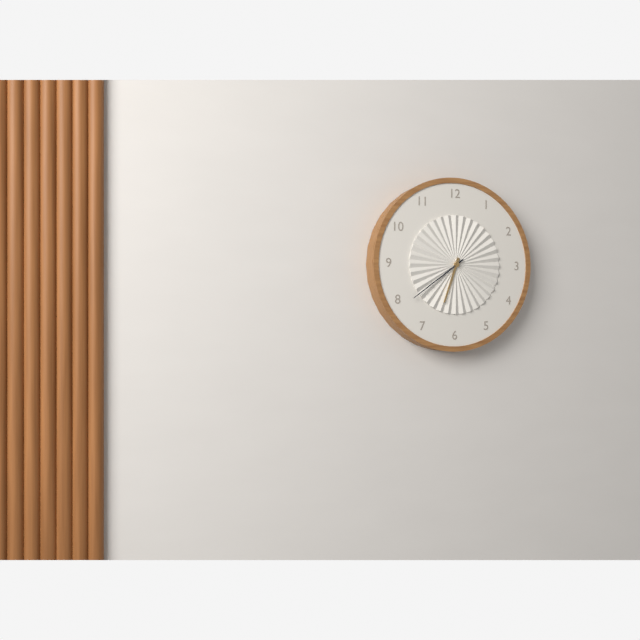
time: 6:39
